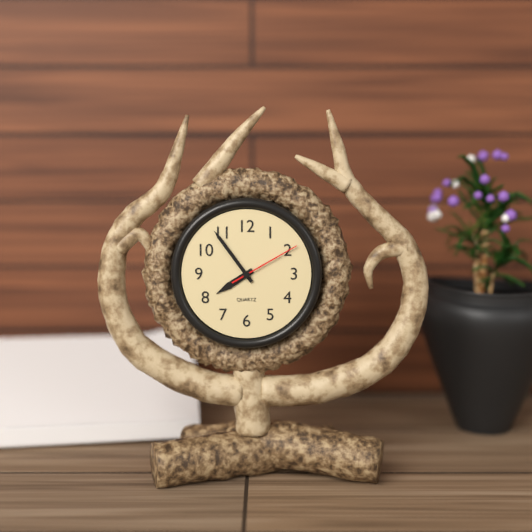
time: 7:54:10
